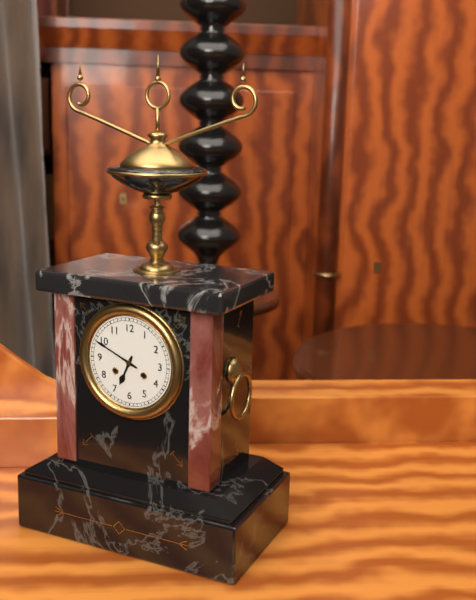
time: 6:49
